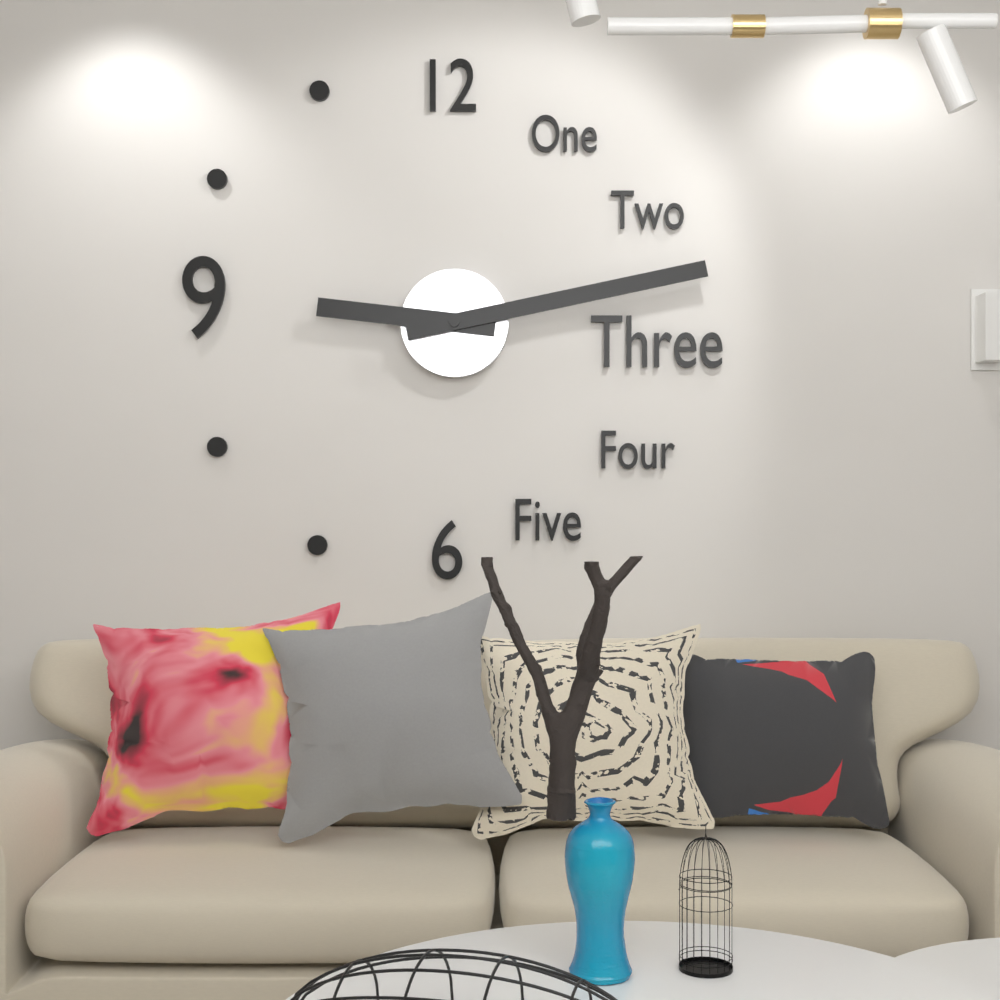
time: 9:13
